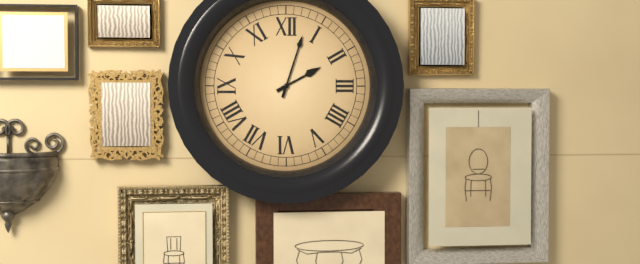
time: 2:03
